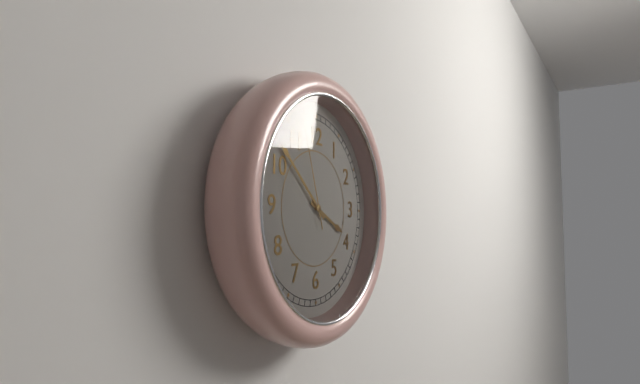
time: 3:52:57
